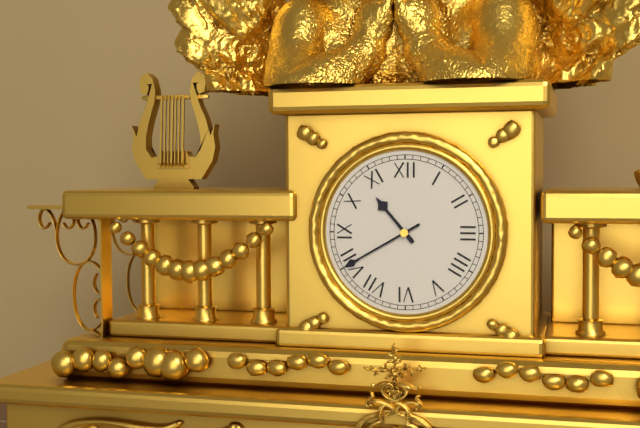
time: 10:40
